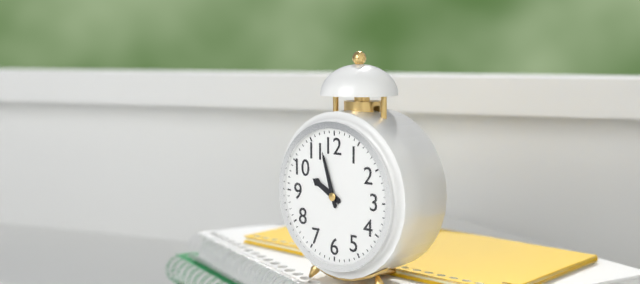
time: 9:57
